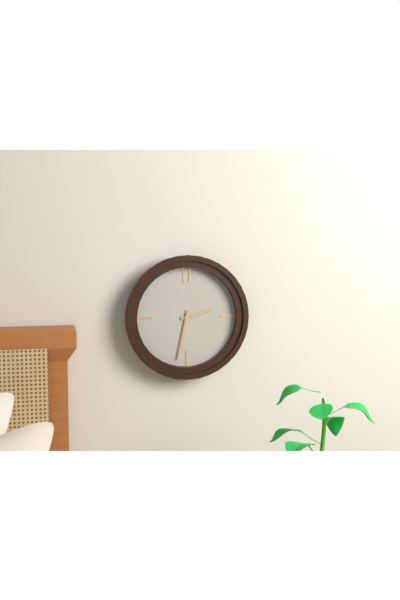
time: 2:32
